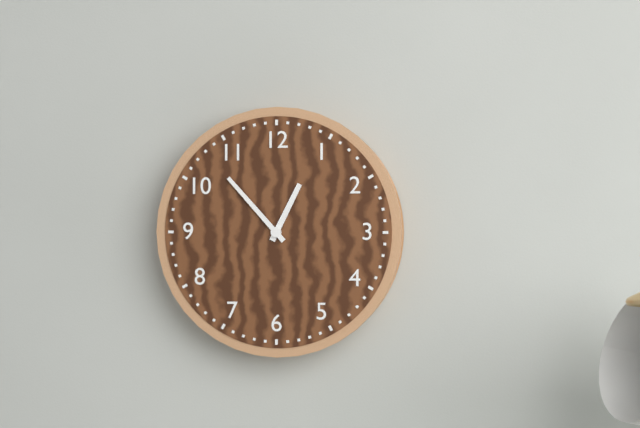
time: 12:53
